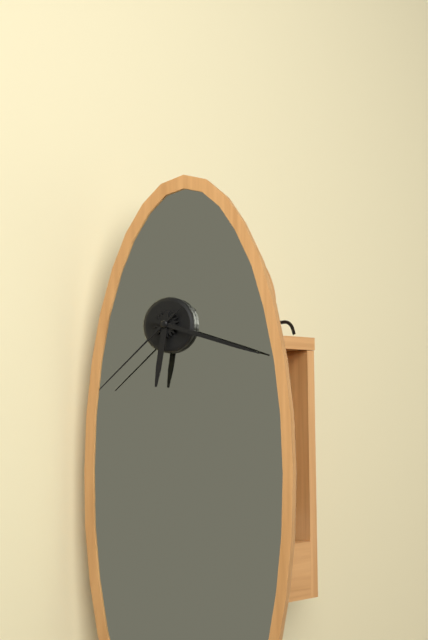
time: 6:18:38
